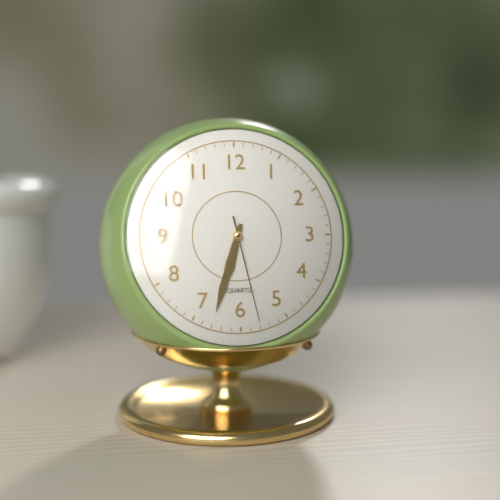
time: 6:33:28
